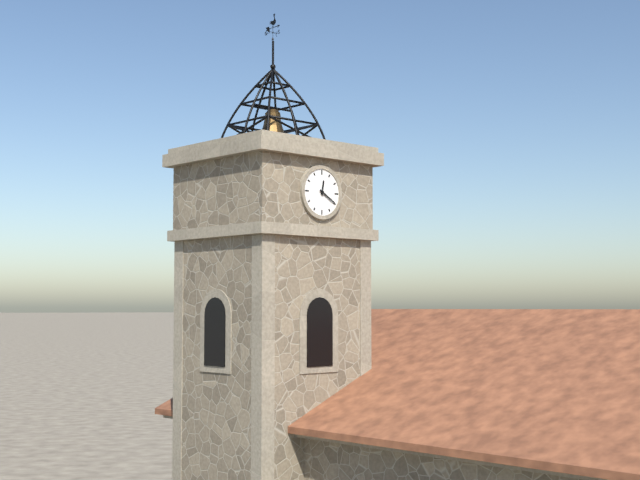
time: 12:20
